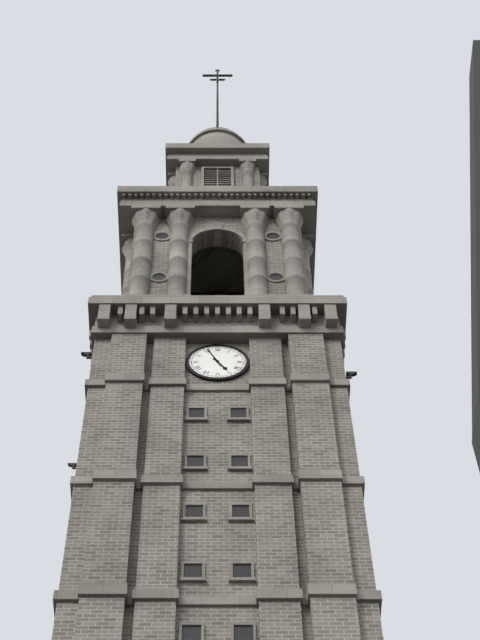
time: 4:56
